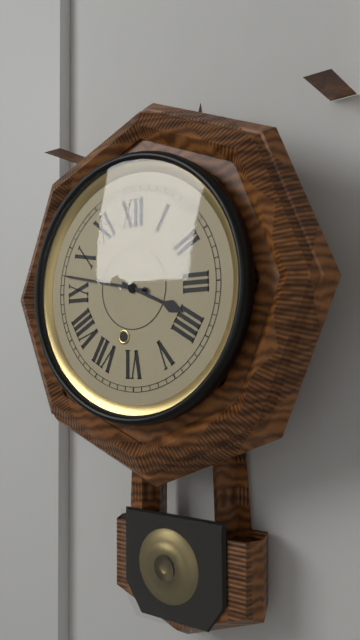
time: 3:47
